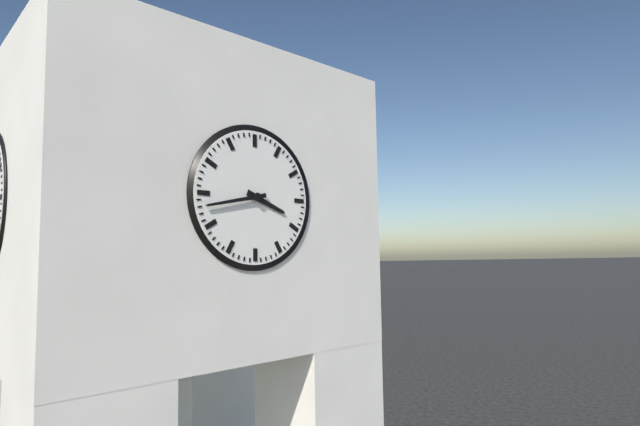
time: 3:43
